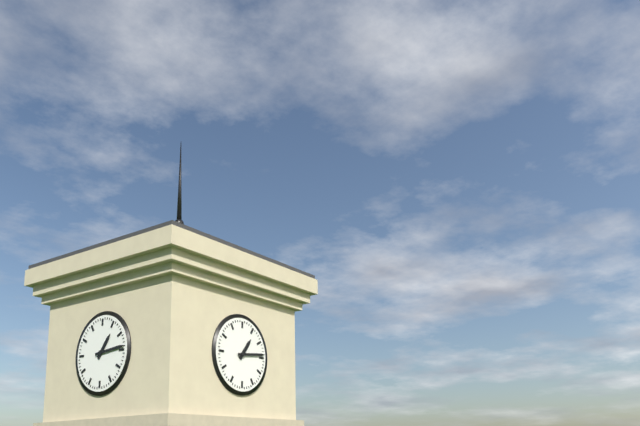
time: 1:14
